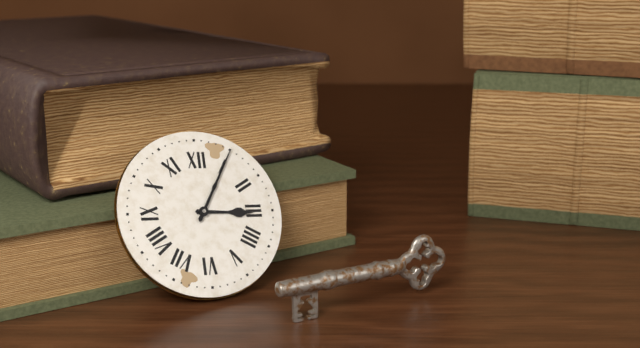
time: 3:05
